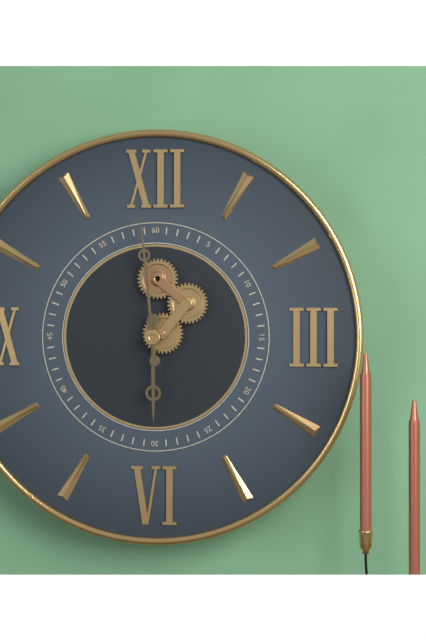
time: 5:59
